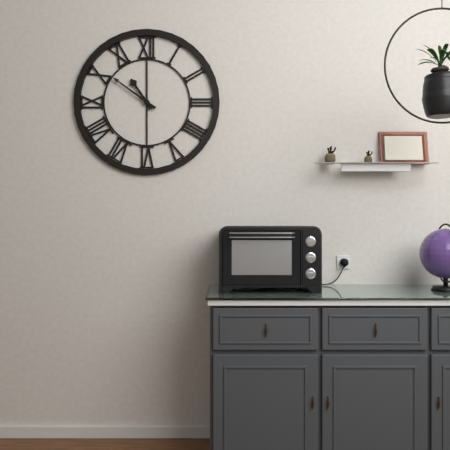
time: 10:51
